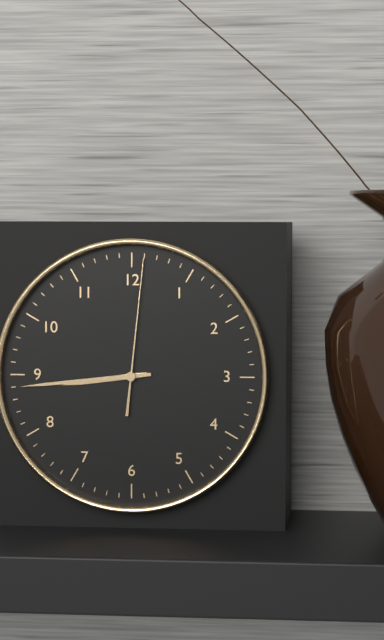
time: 8:44:01
